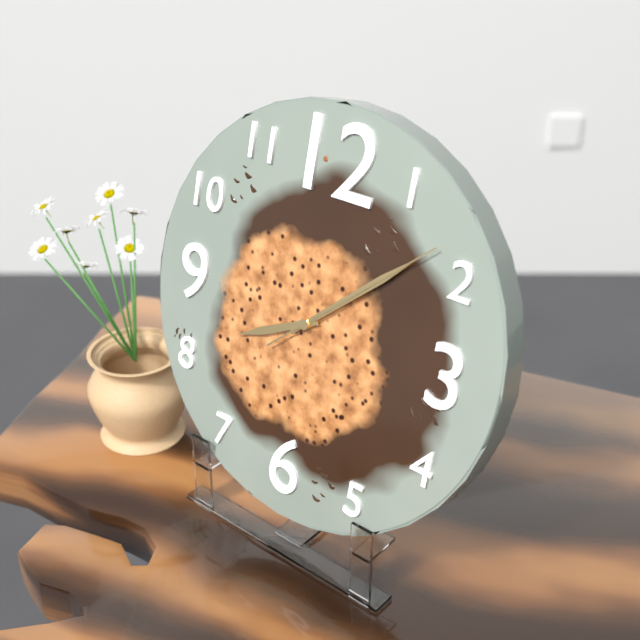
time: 8:08:08
